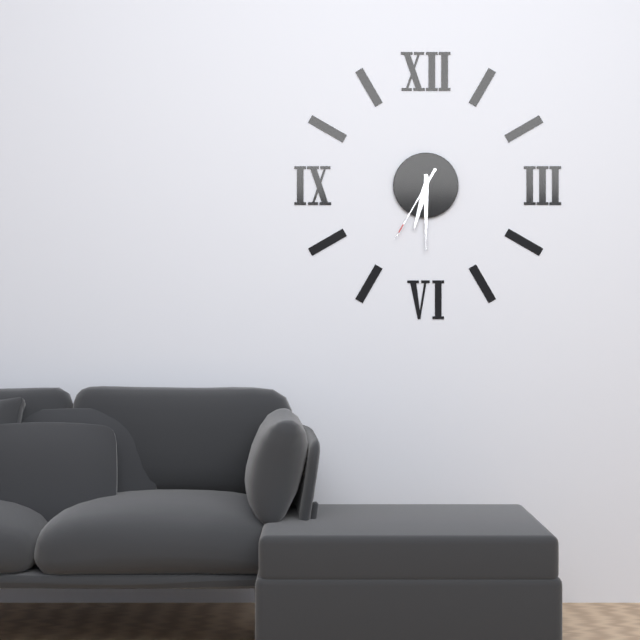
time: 6:30:35
